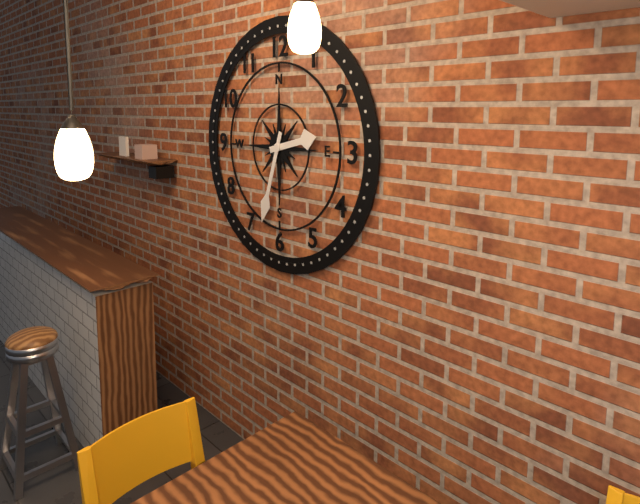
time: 2:33
